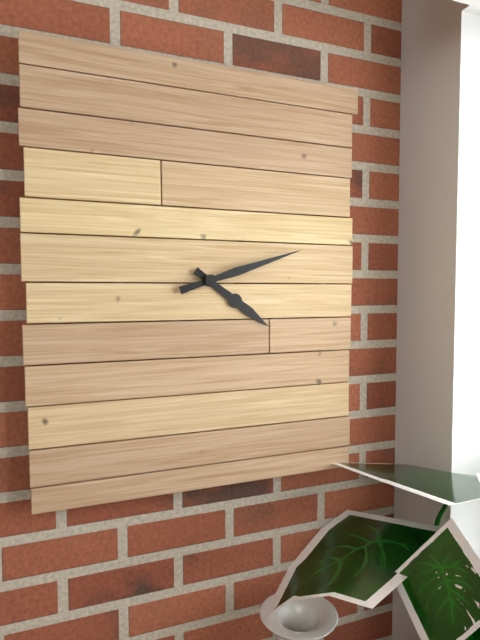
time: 4:12
